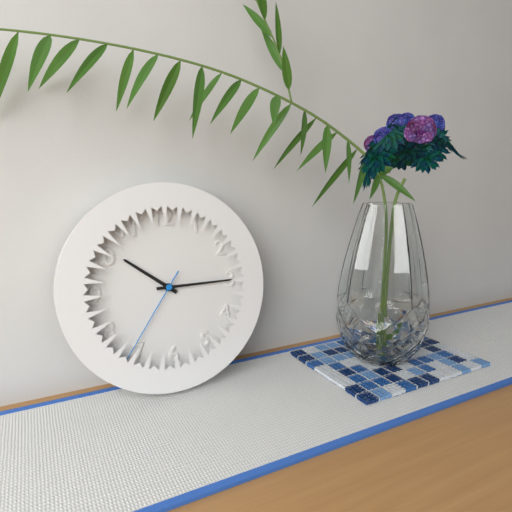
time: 10:15:36
